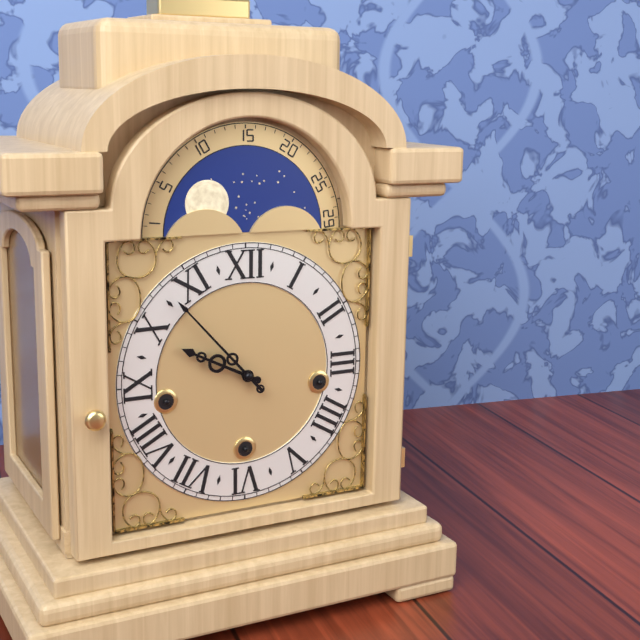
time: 9:53
